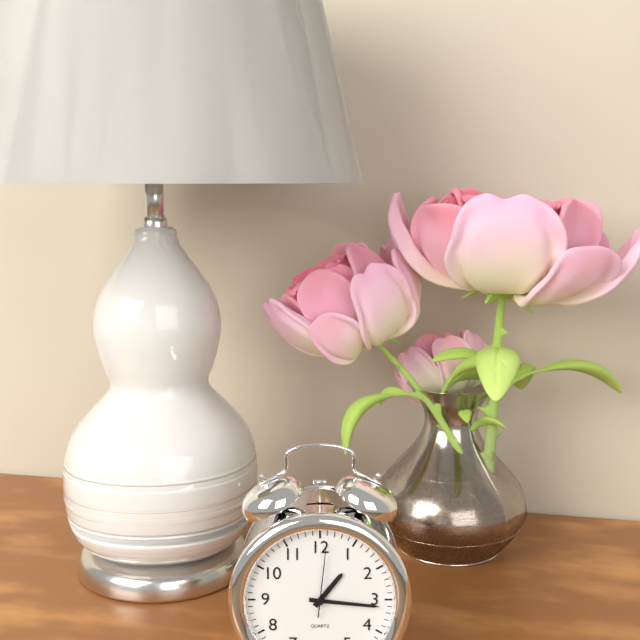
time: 1:16:01
